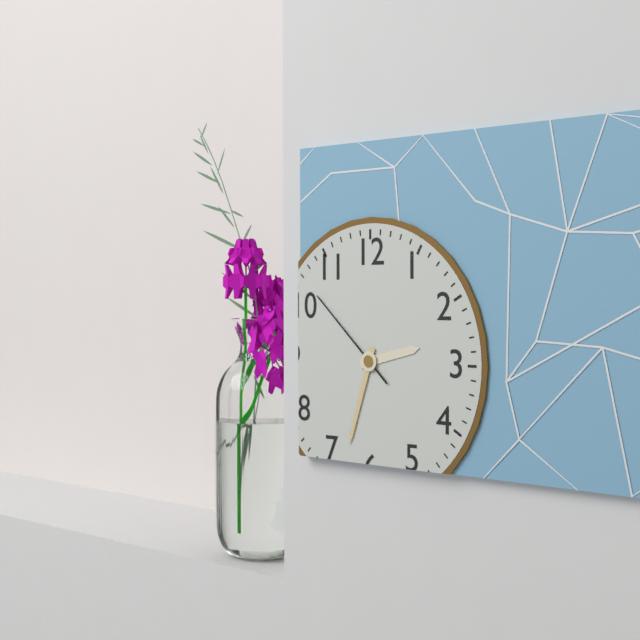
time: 2:33:52
